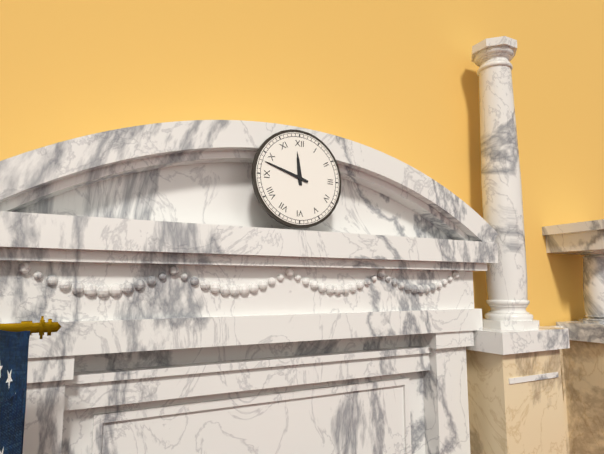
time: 11:48
